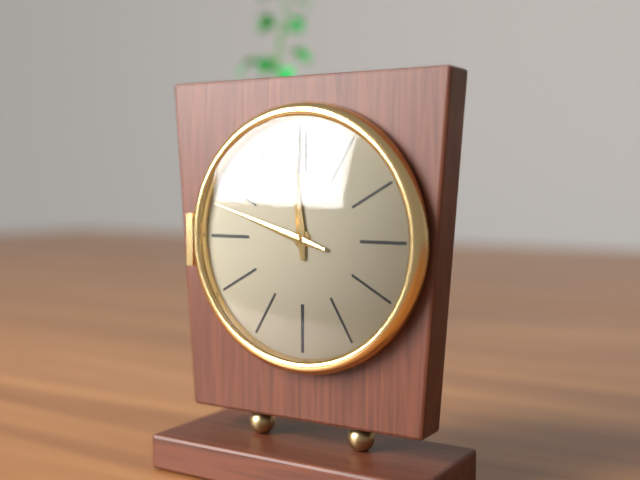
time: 11:48
